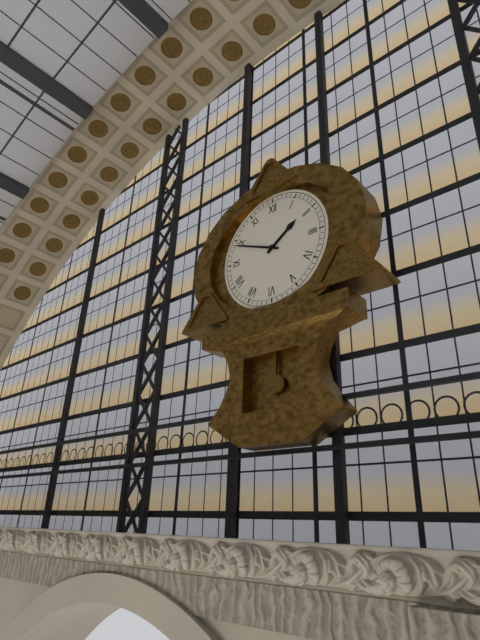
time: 1:49
